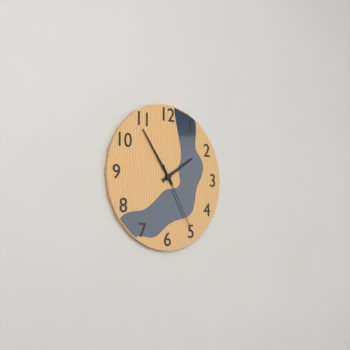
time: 1:54:25
